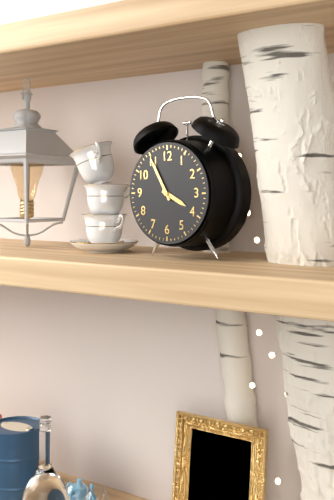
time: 3:55
